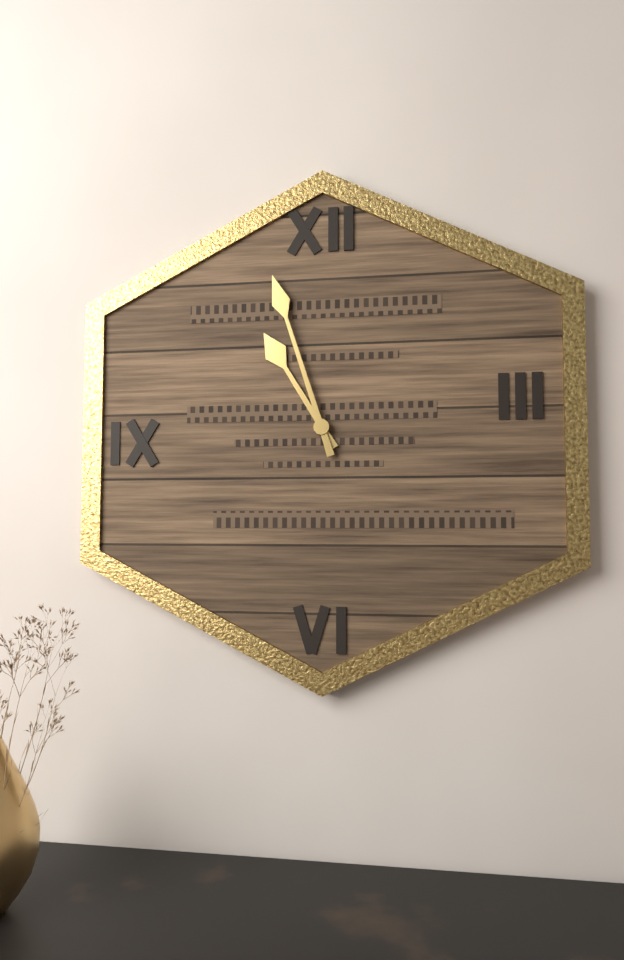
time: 10:57
